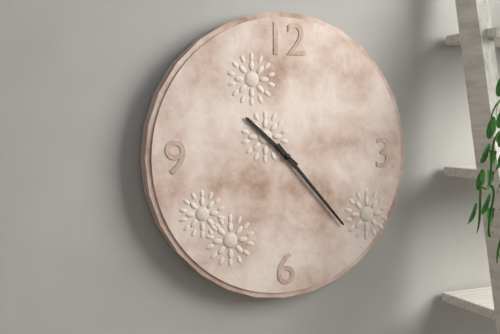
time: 10:23
